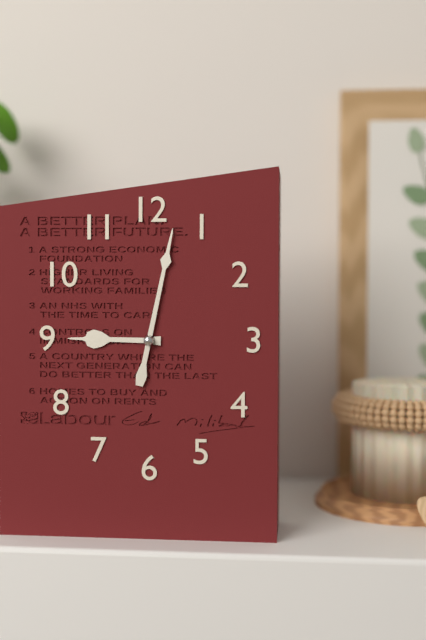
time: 9:02
